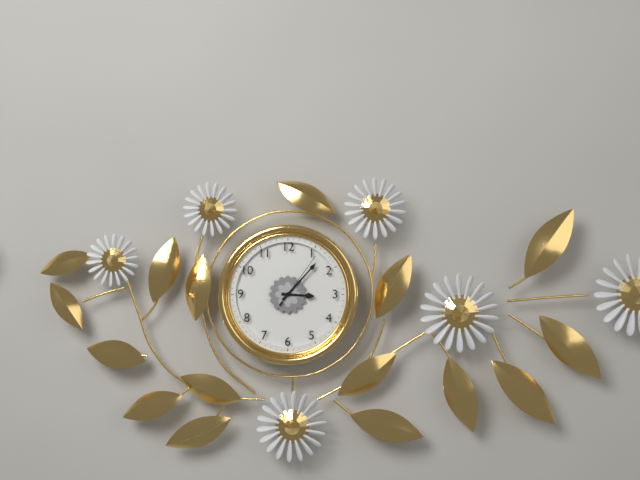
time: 3:07:06
